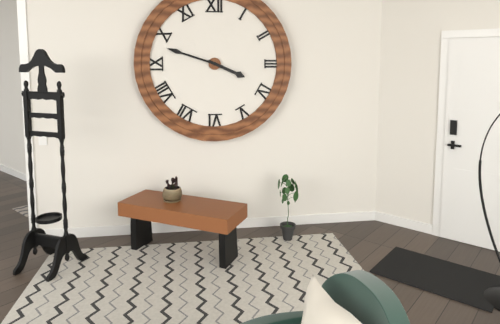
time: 3:48
